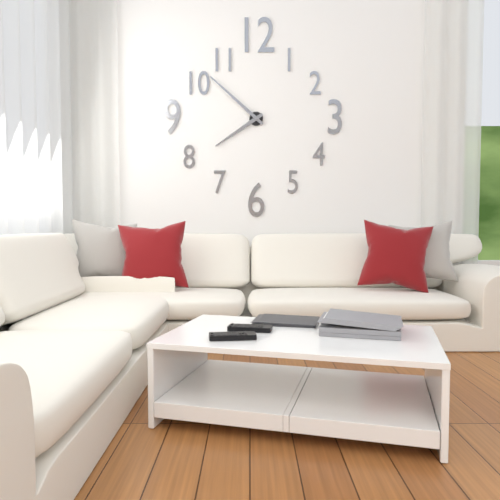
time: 7:52
